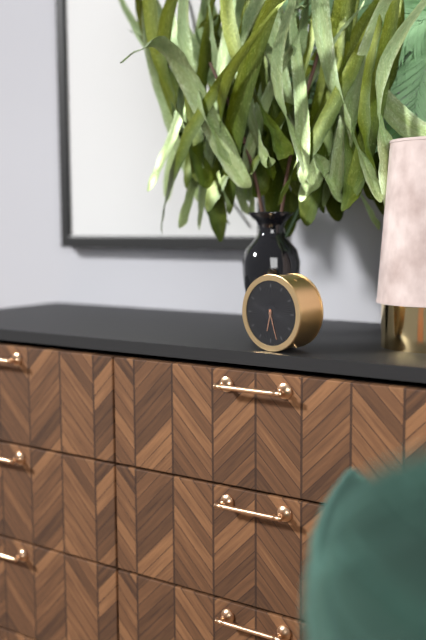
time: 6:27
